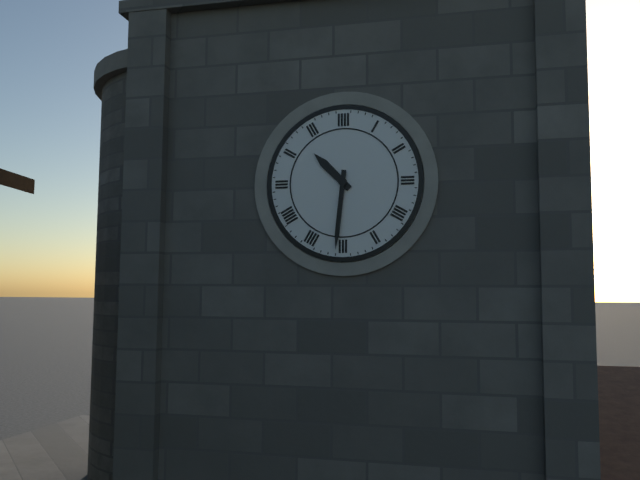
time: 10:31
